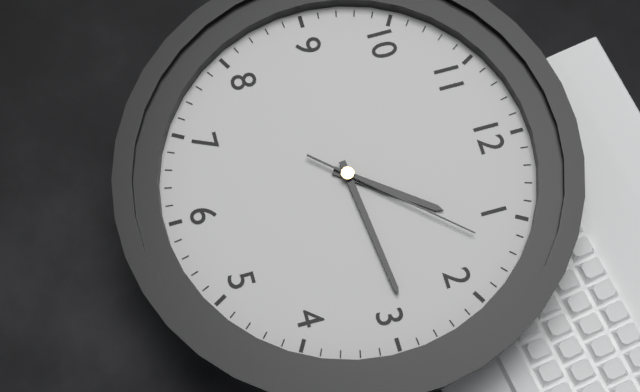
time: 1:14:07
